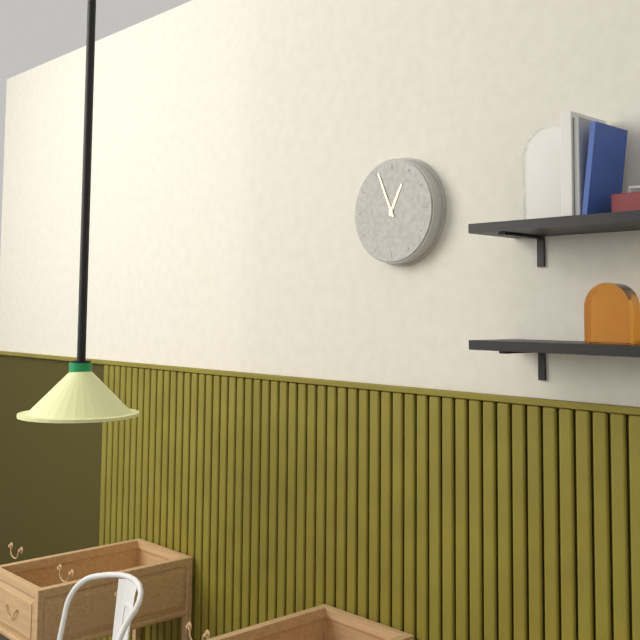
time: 12:56
